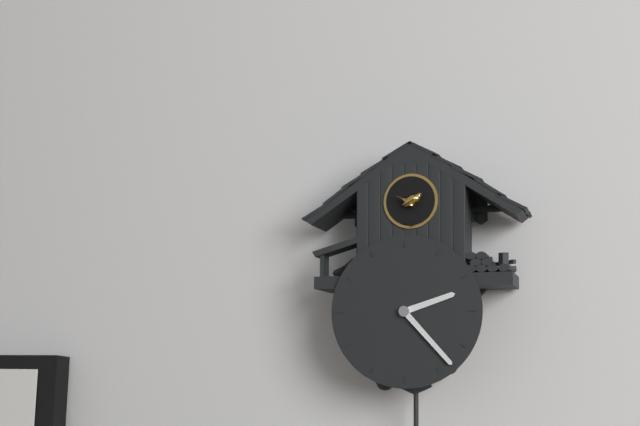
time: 2:23
